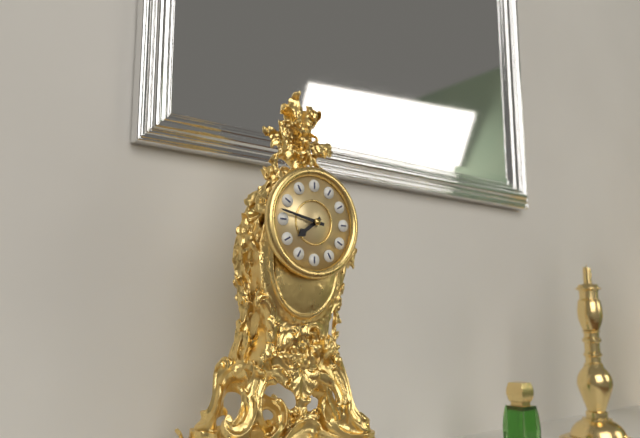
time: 7:47
